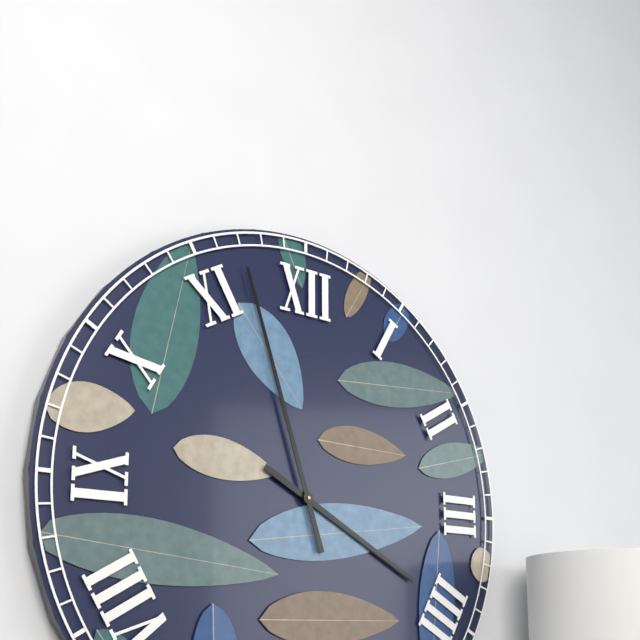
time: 3:57
